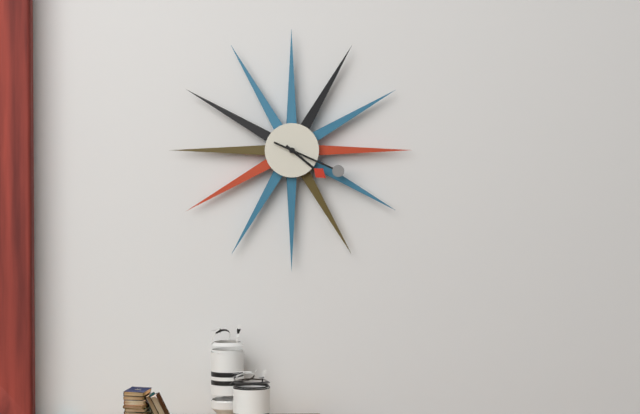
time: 4:19
